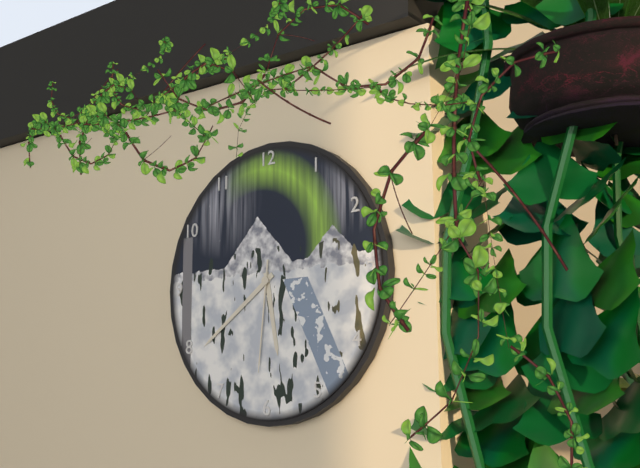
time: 5:39:31
